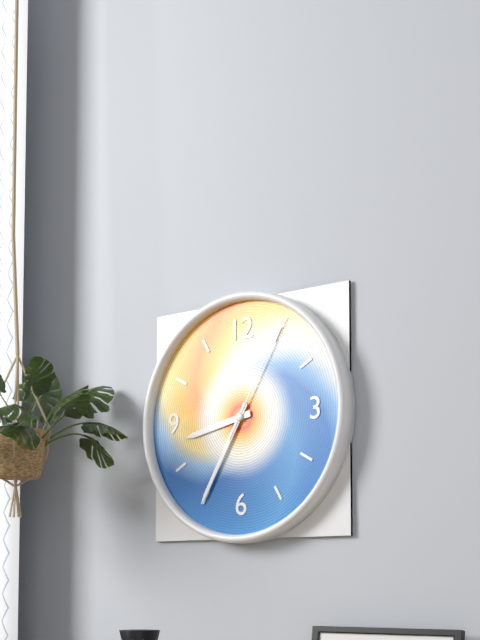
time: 8:35:05
